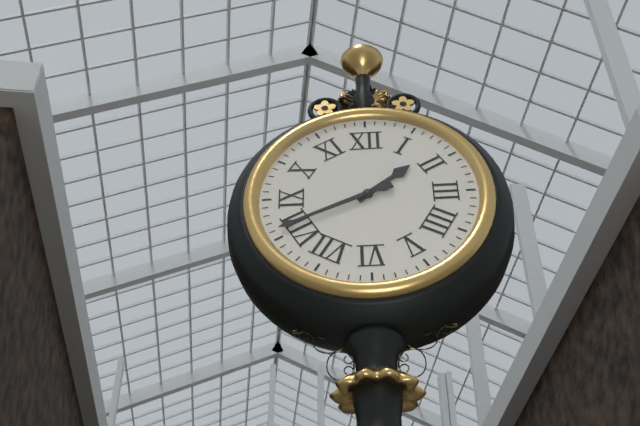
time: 1:41
